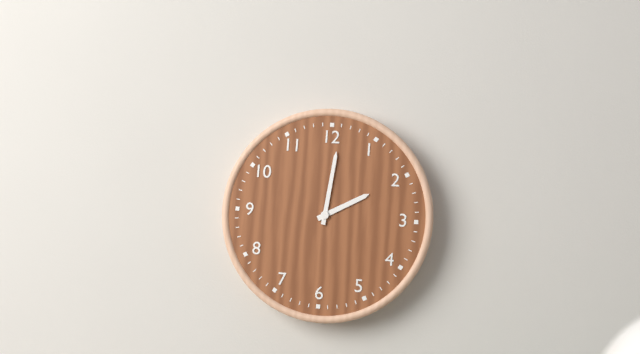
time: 2:01
